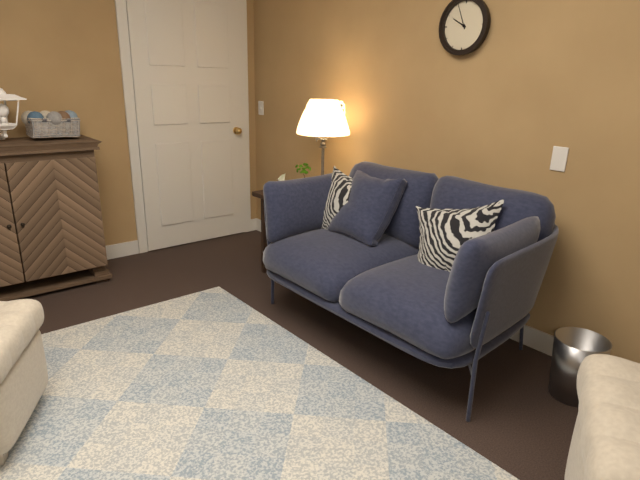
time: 9:56
